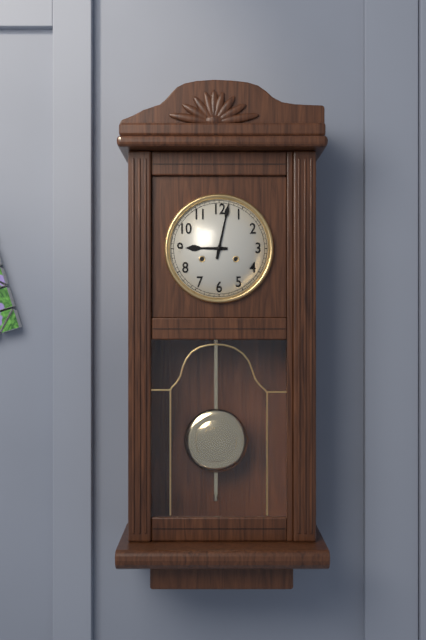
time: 9:02
